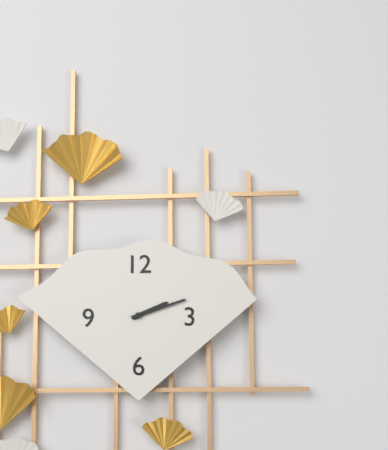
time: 2:12
